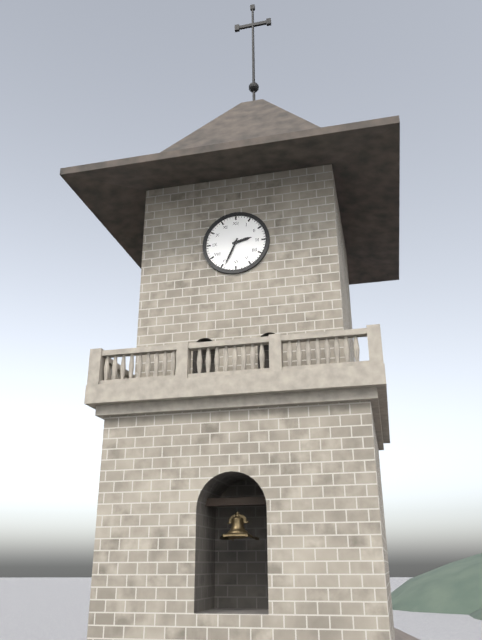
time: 2:34
